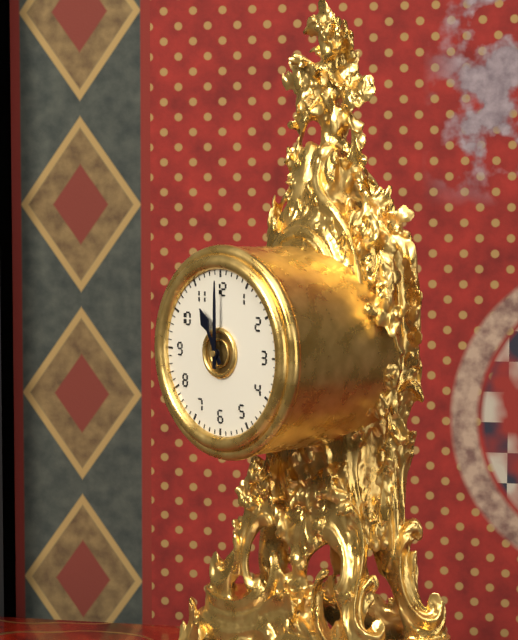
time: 11:00
